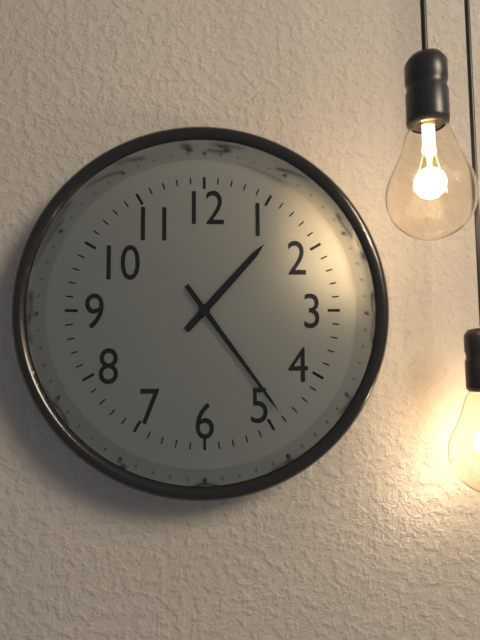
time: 1:24
